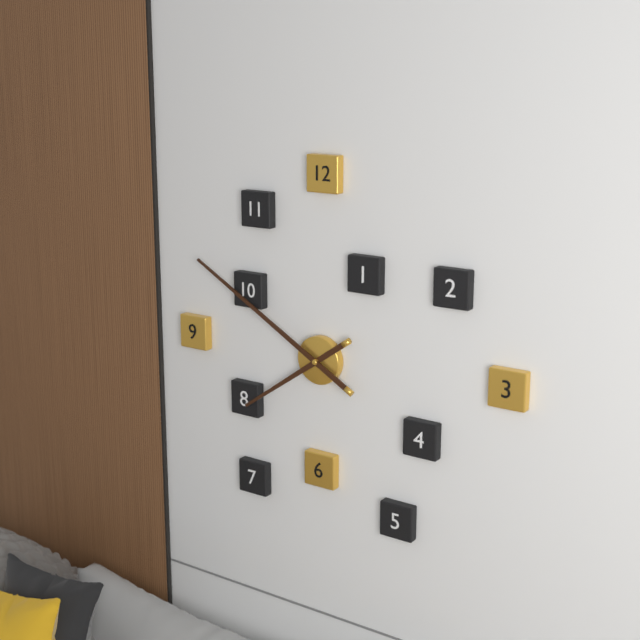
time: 7:50
